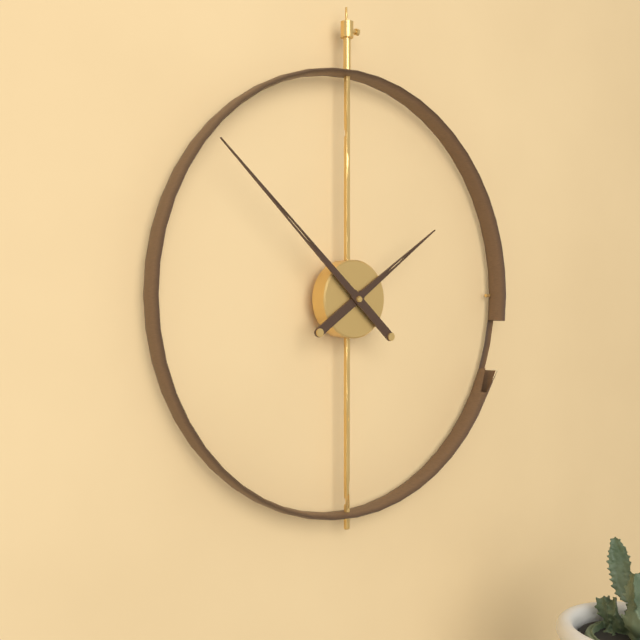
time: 1:52
